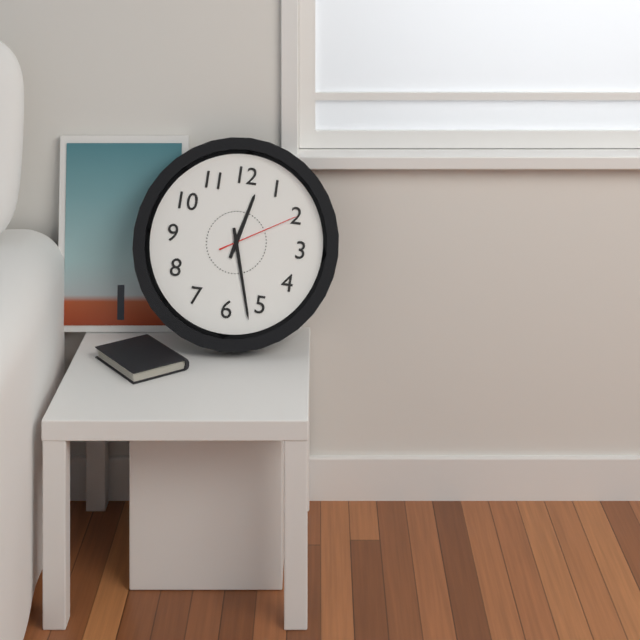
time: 12:27:10
